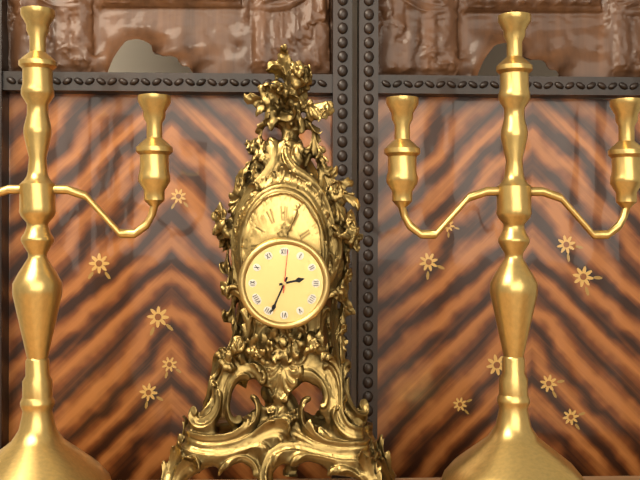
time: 2:34
